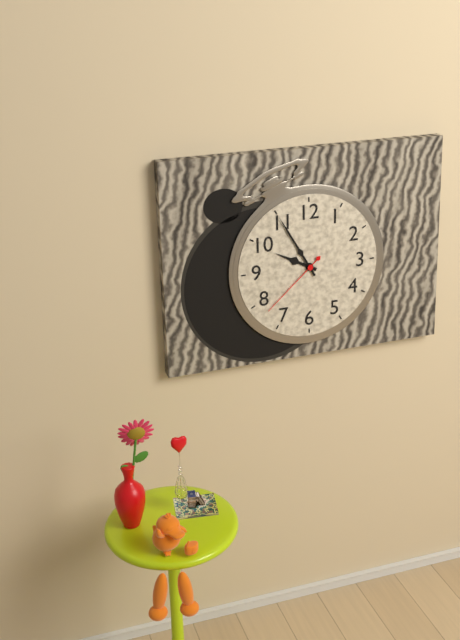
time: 9:55:38
